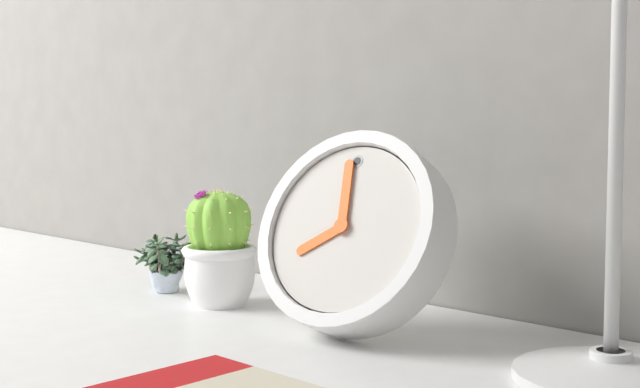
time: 7:59
